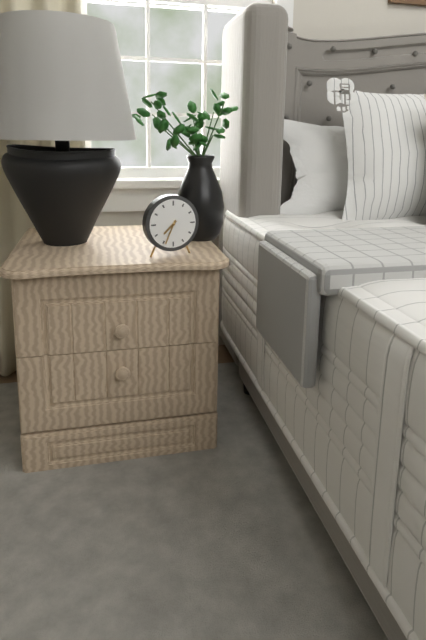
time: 7:34
